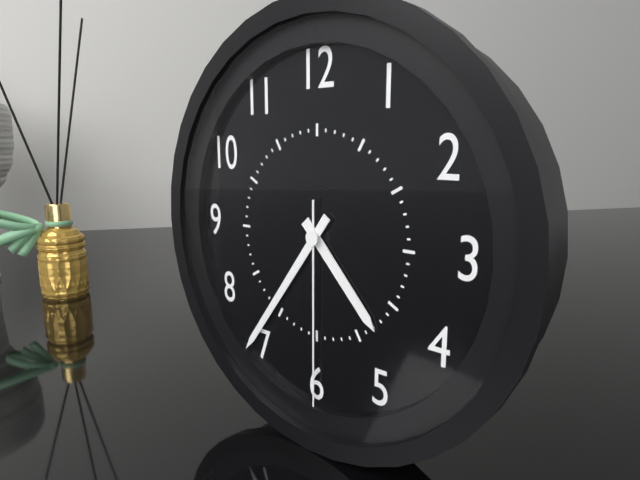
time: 4:36:30
